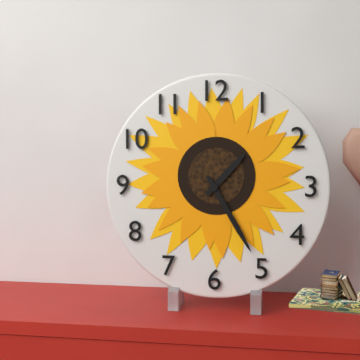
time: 1:25
